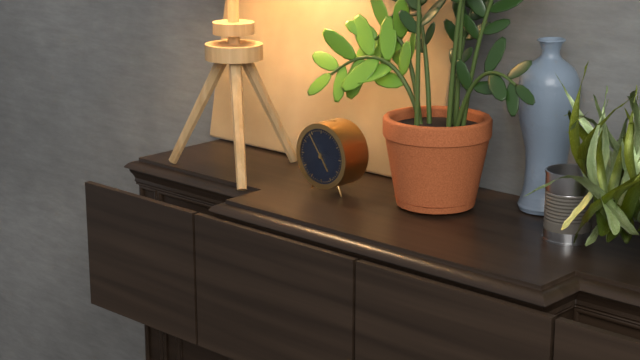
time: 4:54
